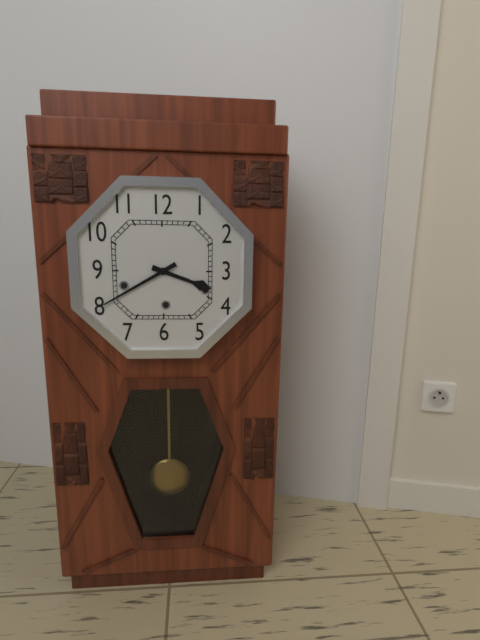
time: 3:40
